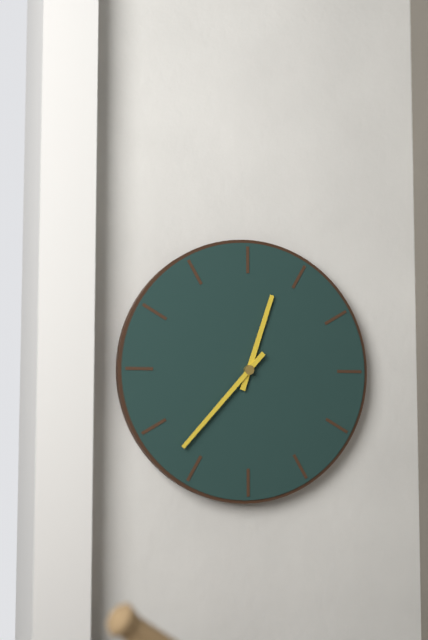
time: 12:37
